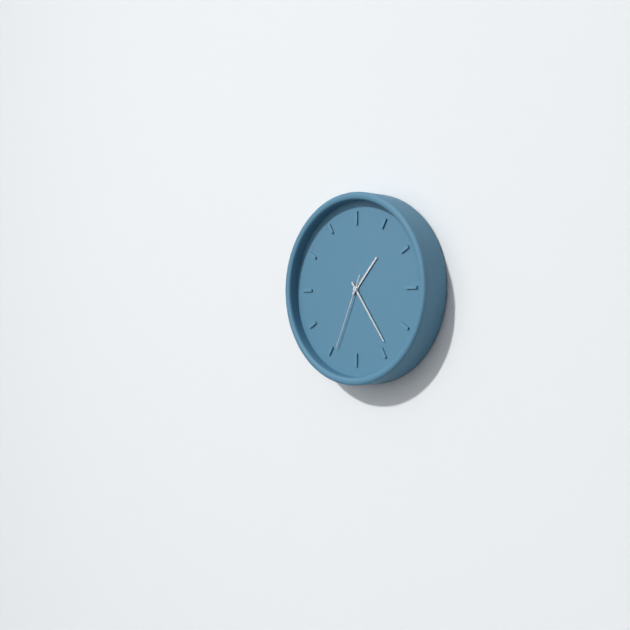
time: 1:24:34
